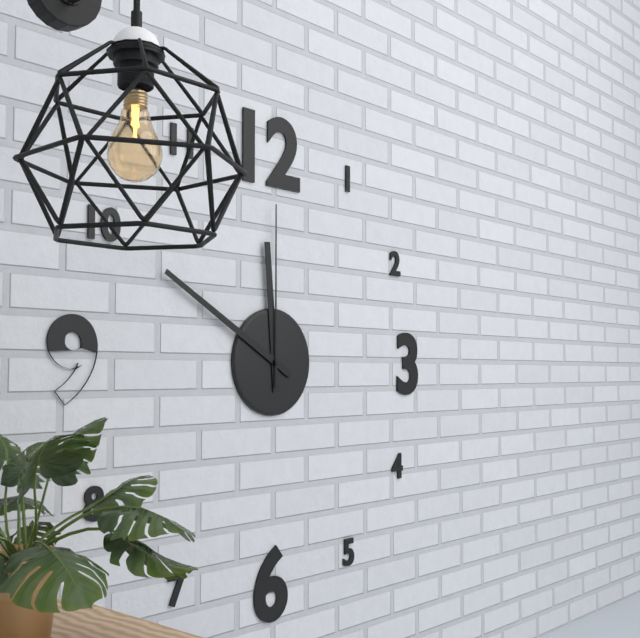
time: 11:50:00
